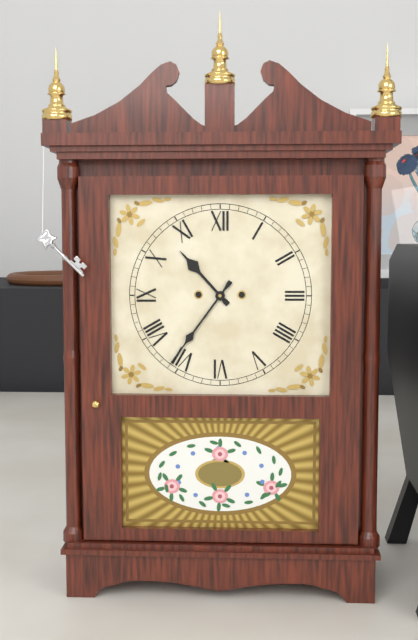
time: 10:36
